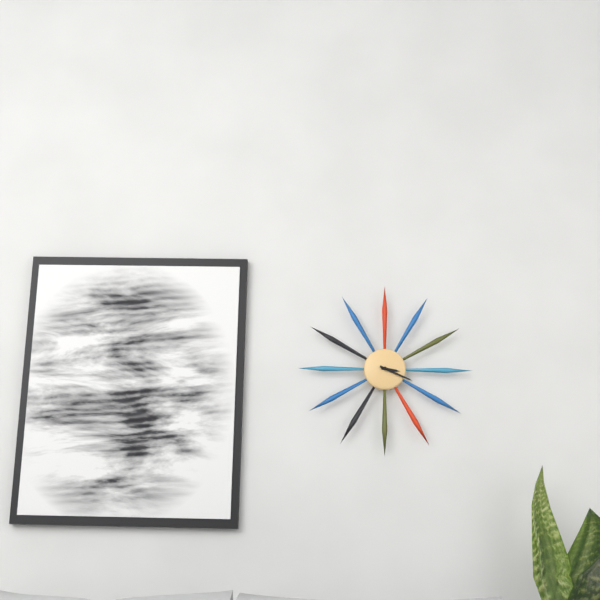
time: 3:19
